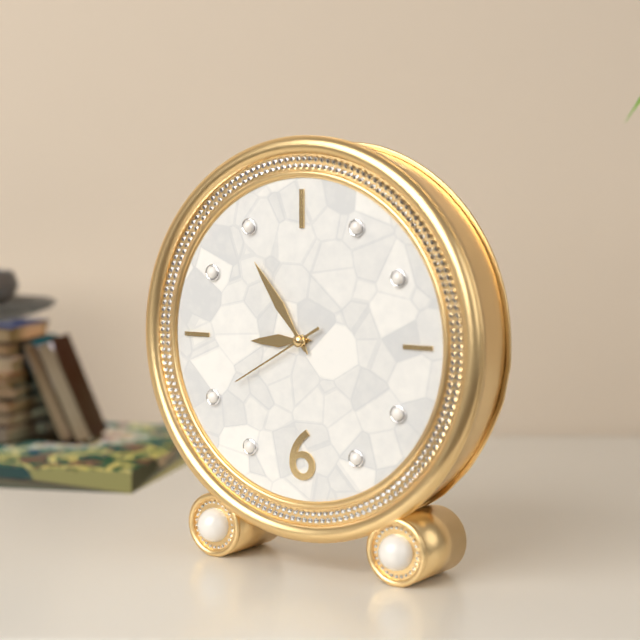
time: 8:54:40
